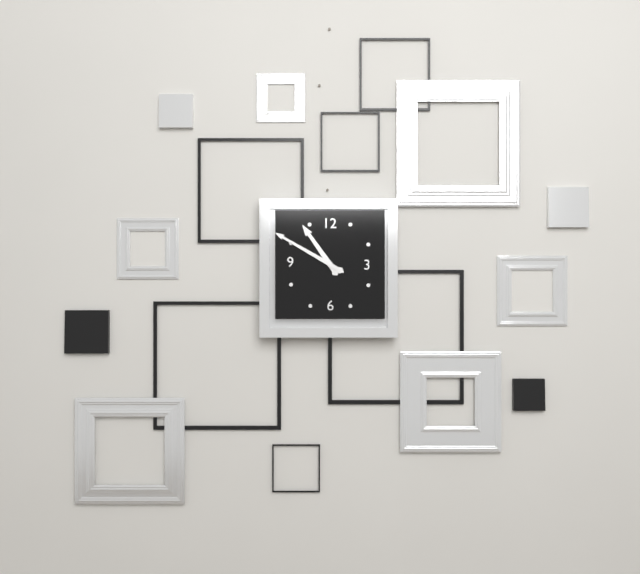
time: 10:50
